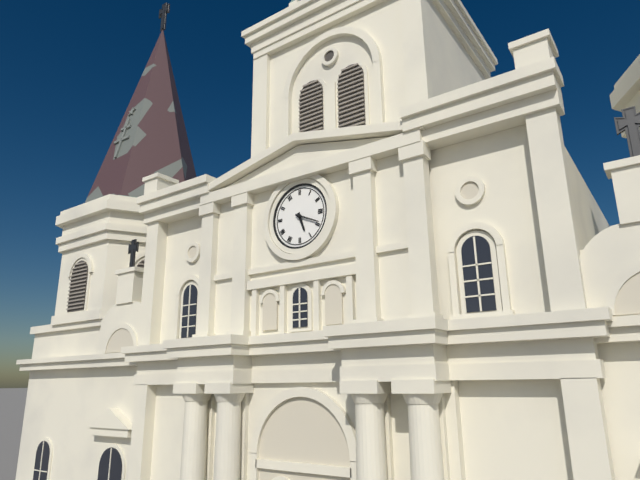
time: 5:19
